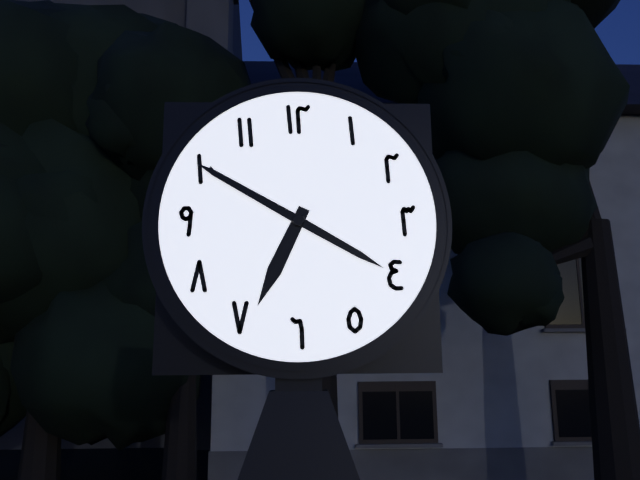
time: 6:50
